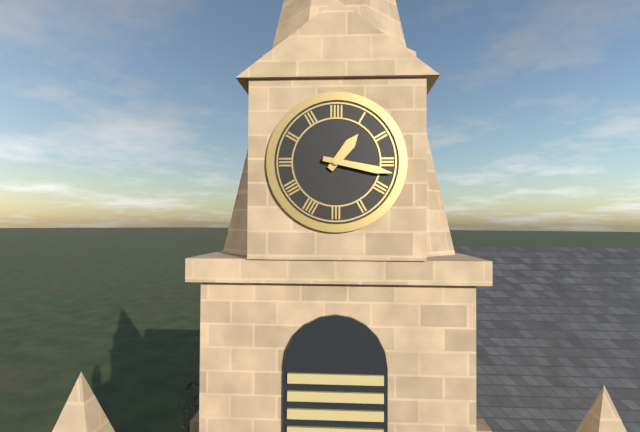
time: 1:17
